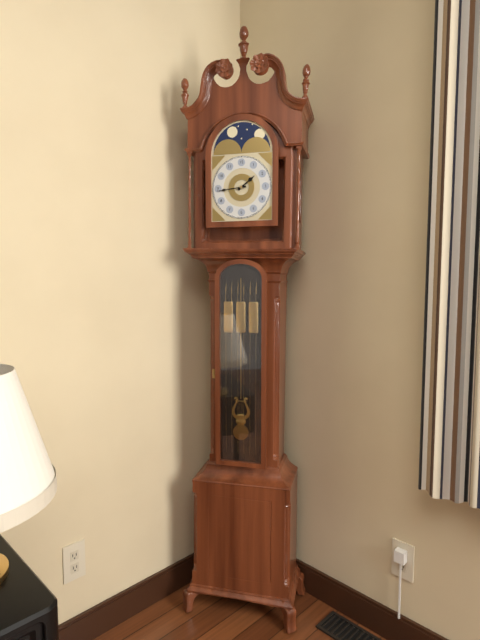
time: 1:44
